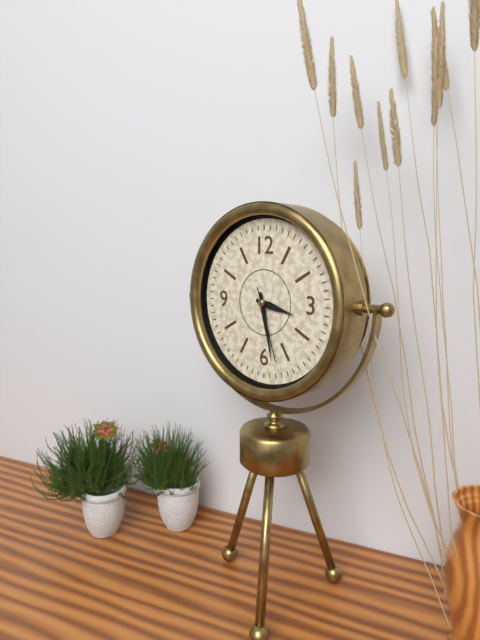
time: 3:28:27
